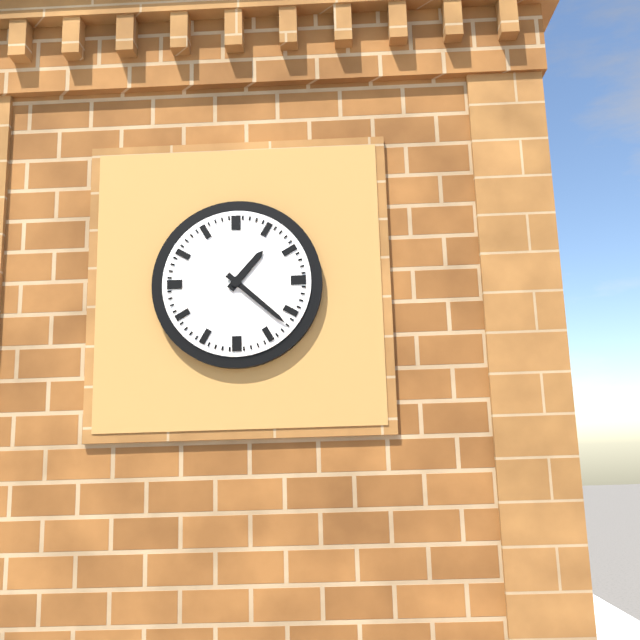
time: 1:22
